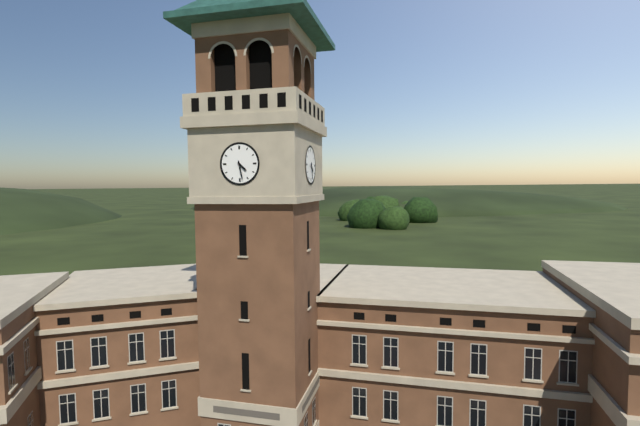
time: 4:28
